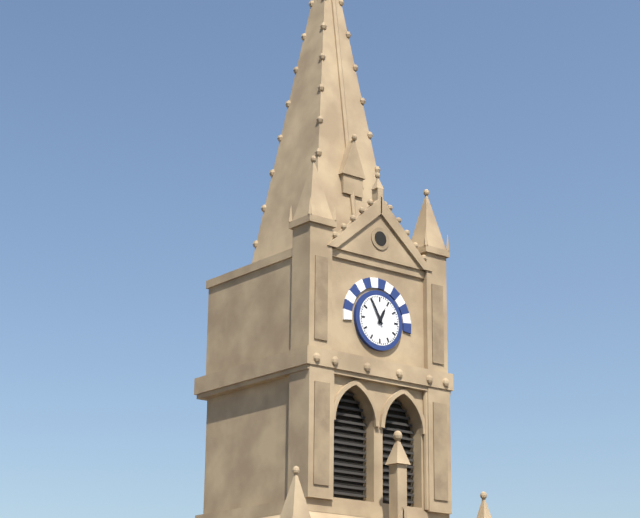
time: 12:55
